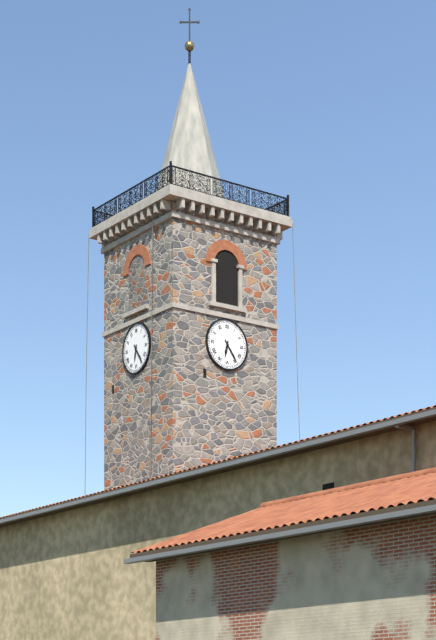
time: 6:24
